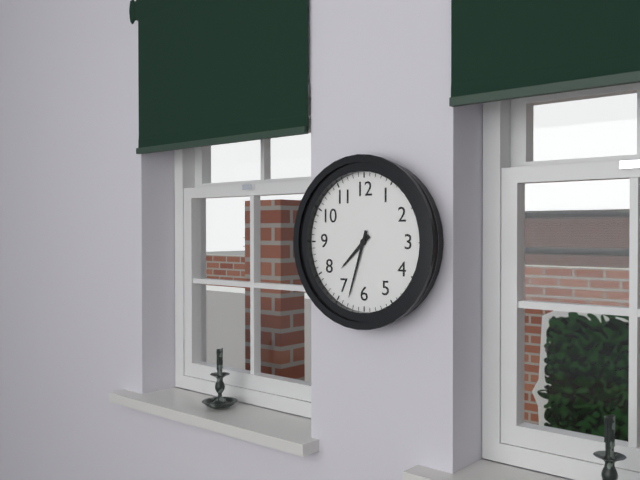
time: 7:33
